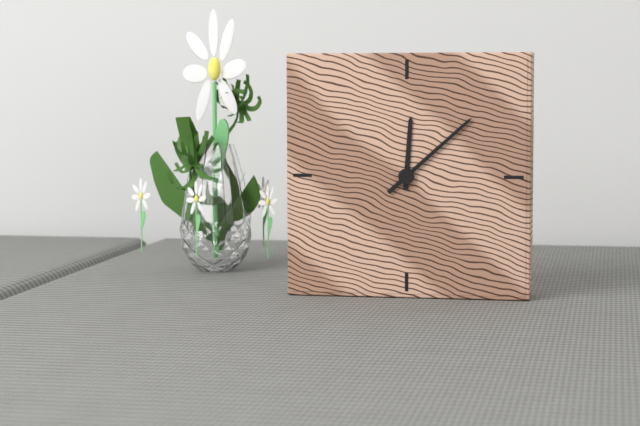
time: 12:08
